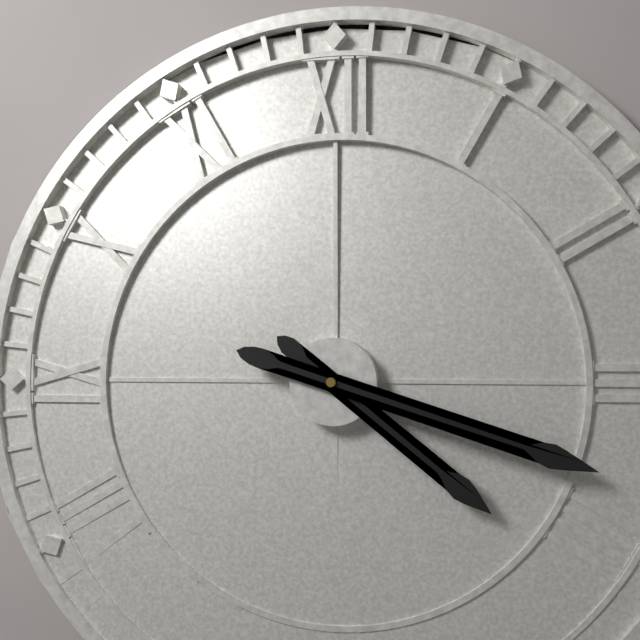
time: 4:18
